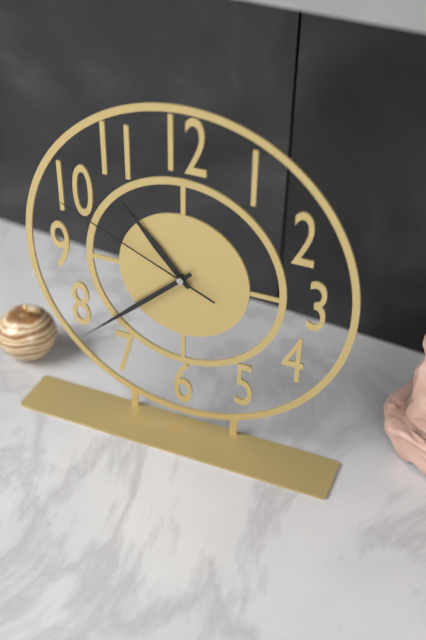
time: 10:38:49
